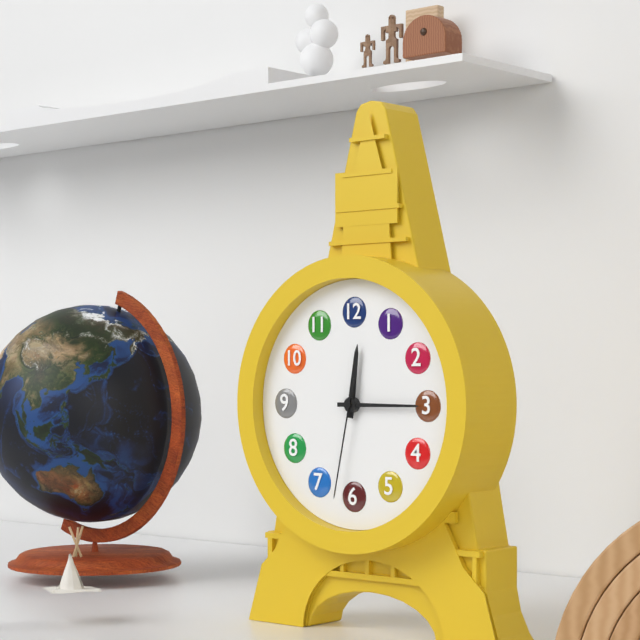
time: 12:15:32
